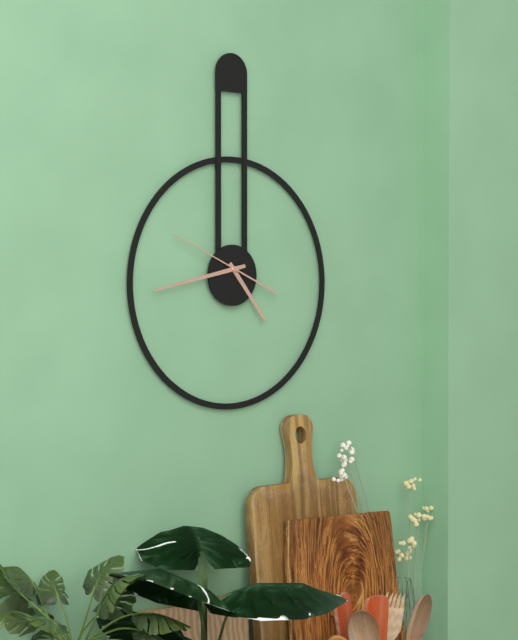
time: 4:43:49
